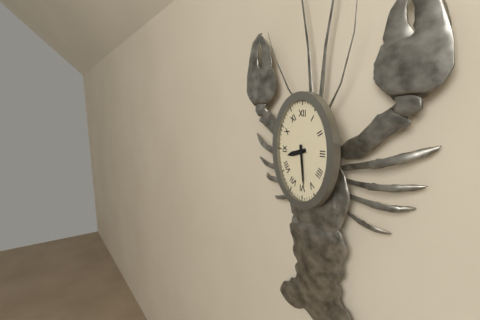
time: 8:29
